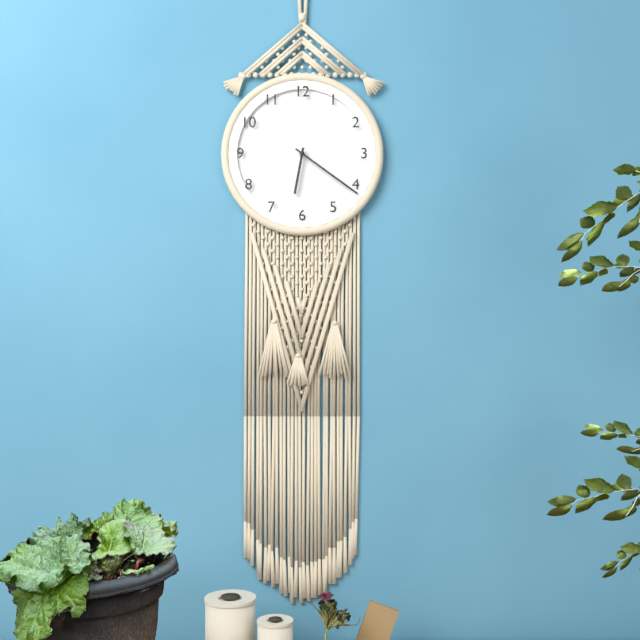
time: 6:21
